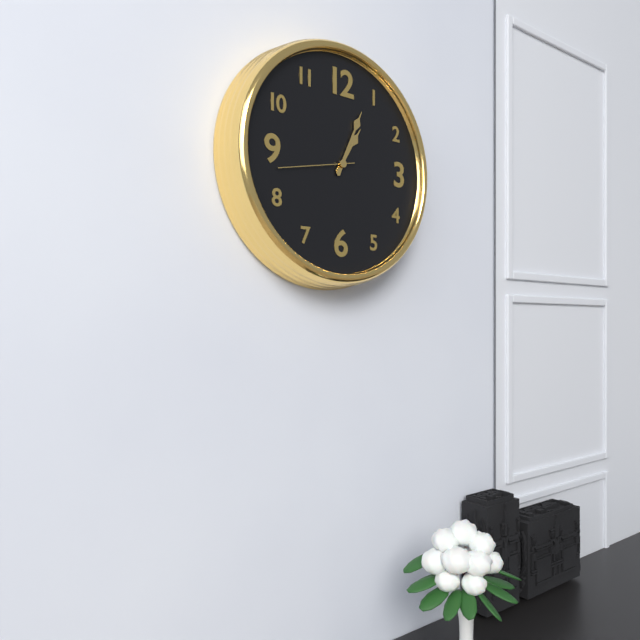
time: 1:04:43
